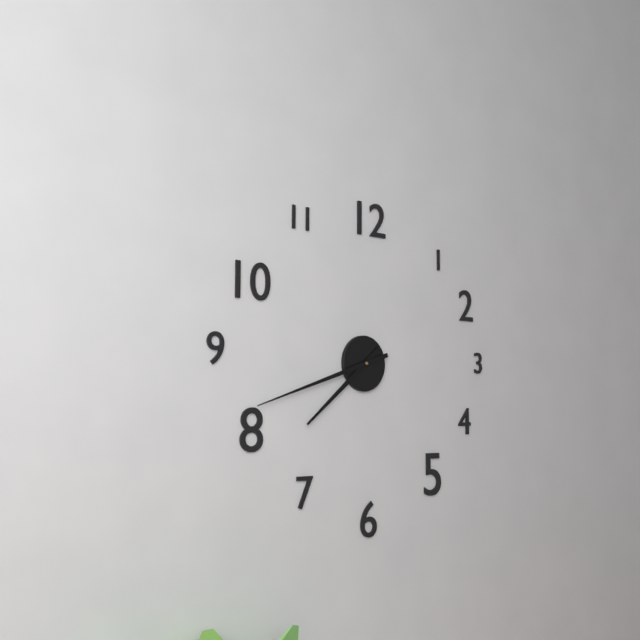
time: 7:42
